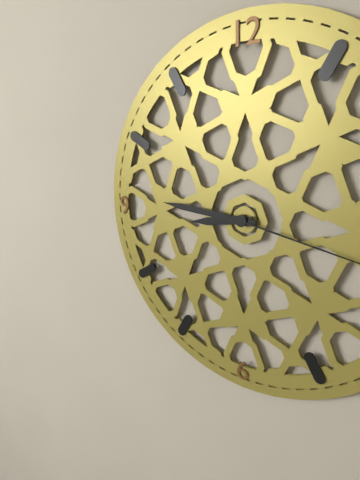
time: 8:46
